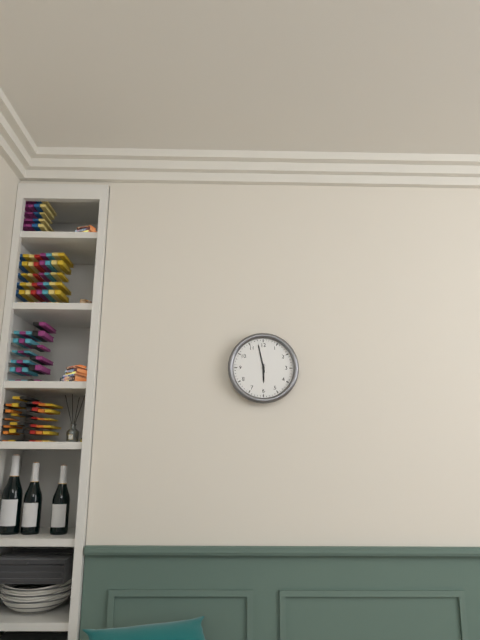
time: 5:58
